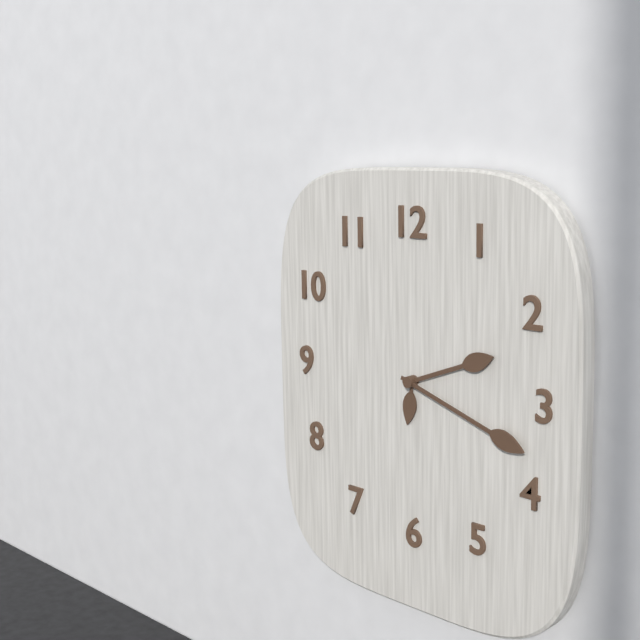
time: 2:18
